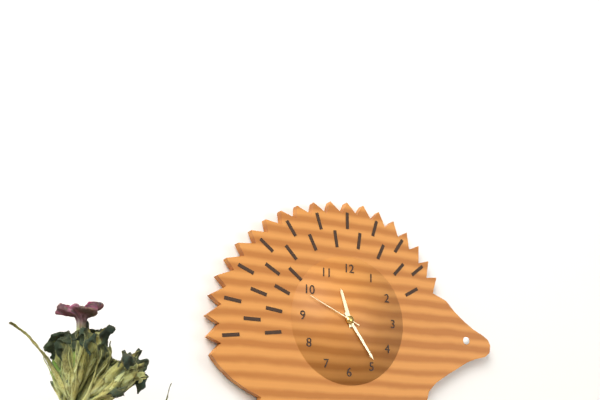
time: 11:24:49
